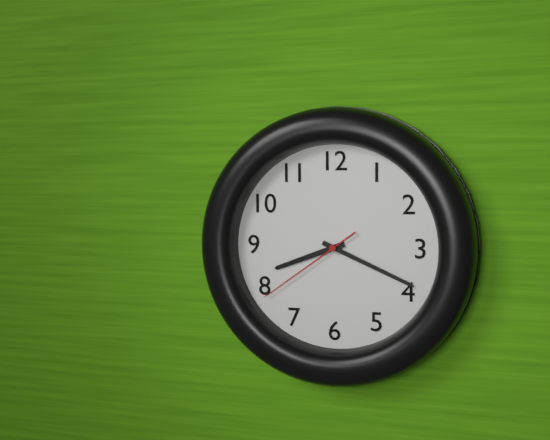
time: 8:19:39
